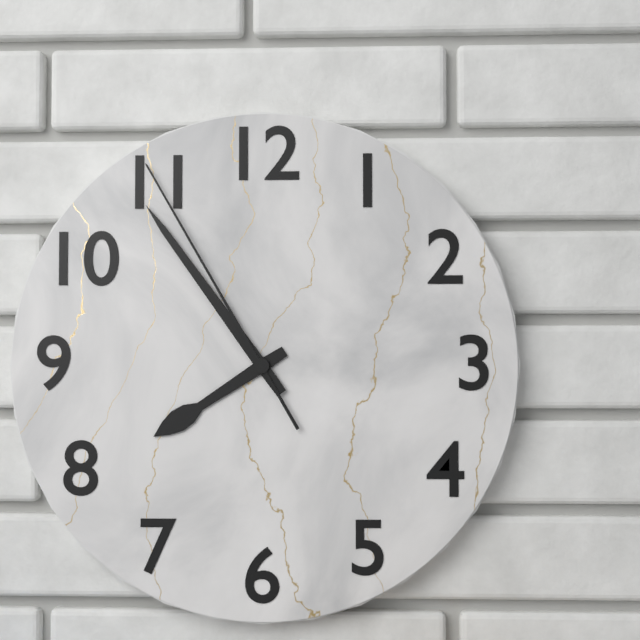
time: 7:54:55
